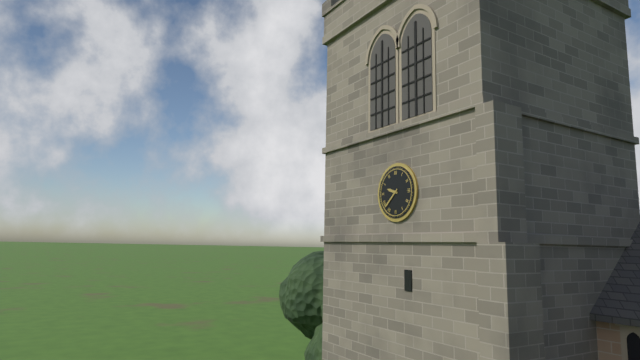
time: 9:38
